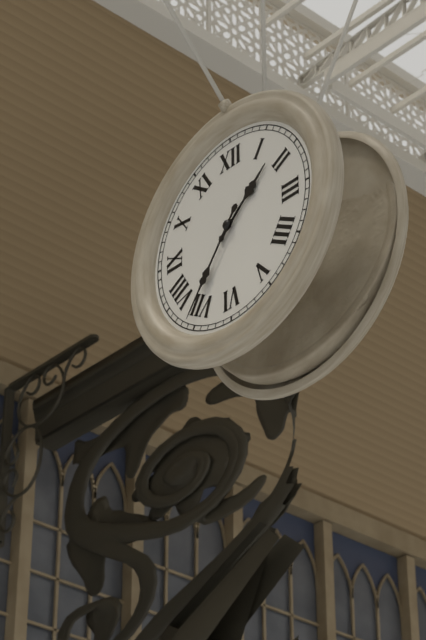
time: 1:36
